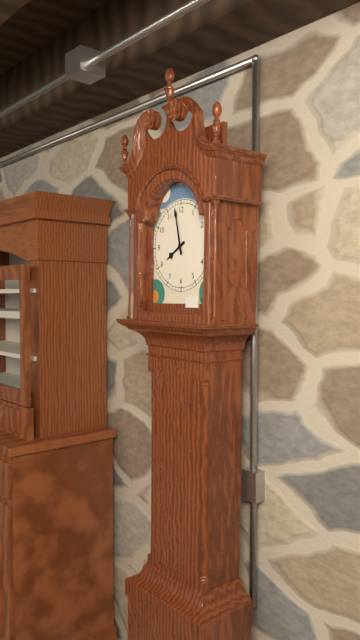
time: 7:58
